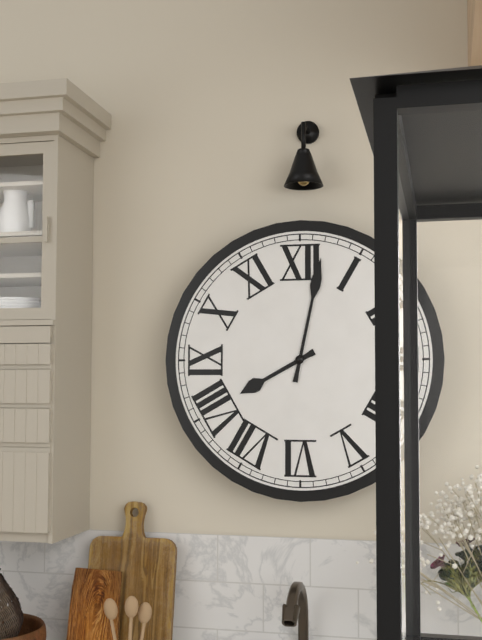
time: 8:02
